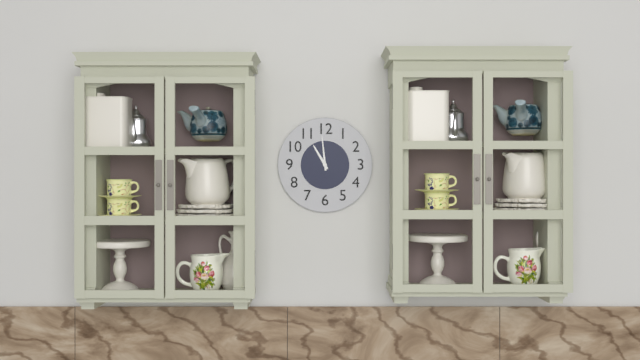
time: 10:59
